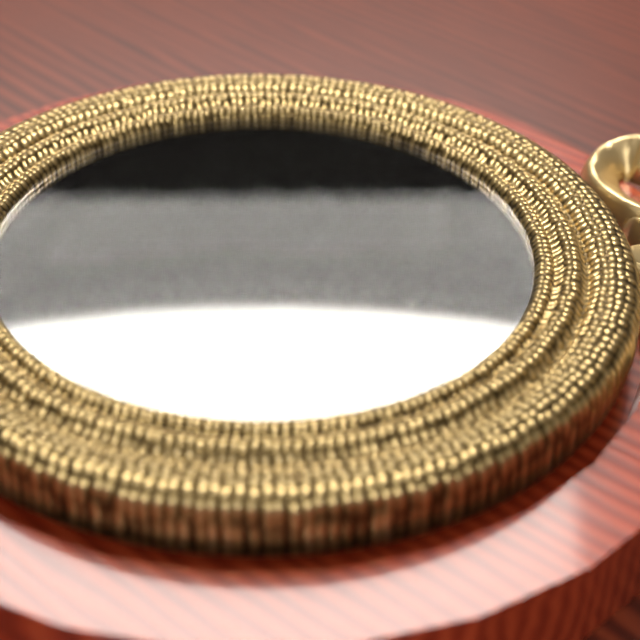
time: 7:41:13
